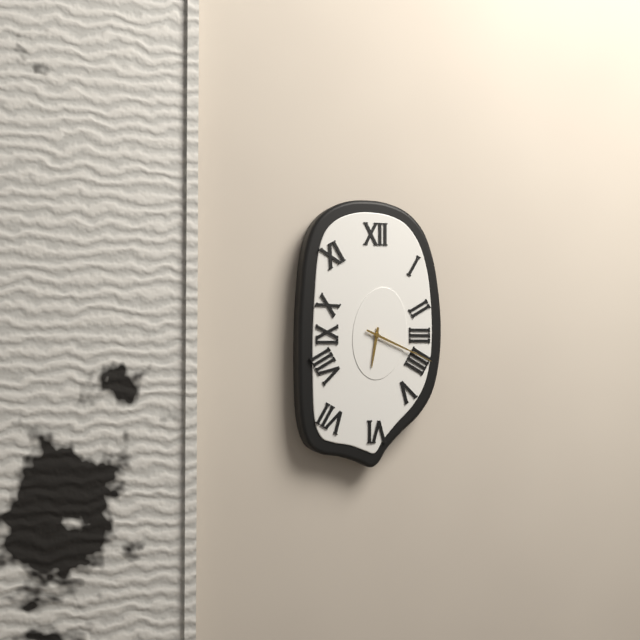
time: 6:19
